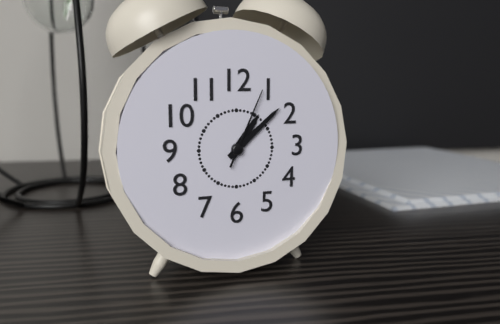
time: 1:08:04
